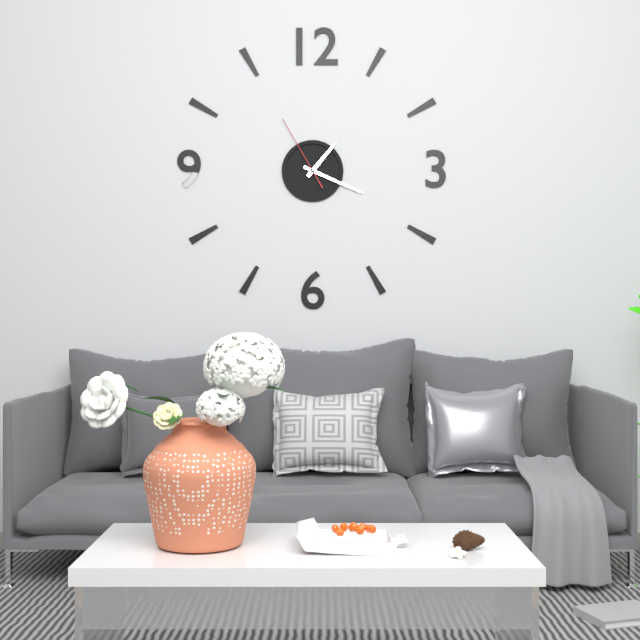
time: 1:19:55
